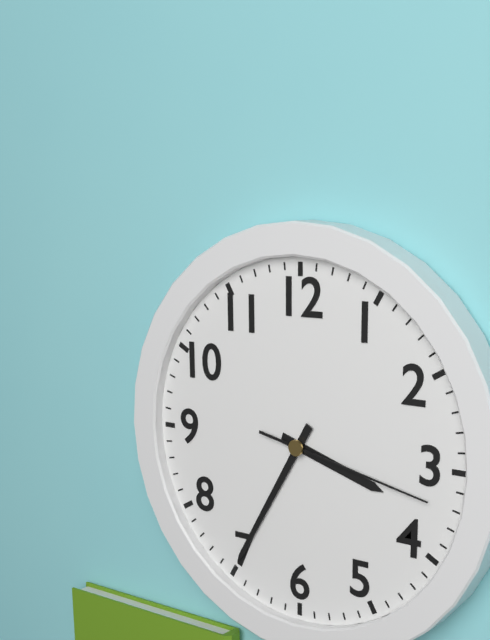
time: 3:35:17
